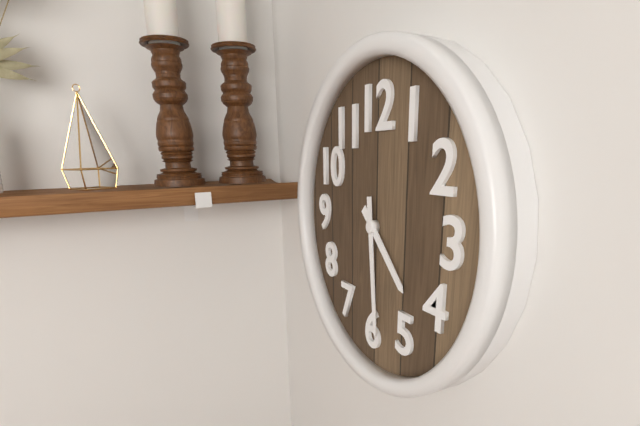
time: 4:29
